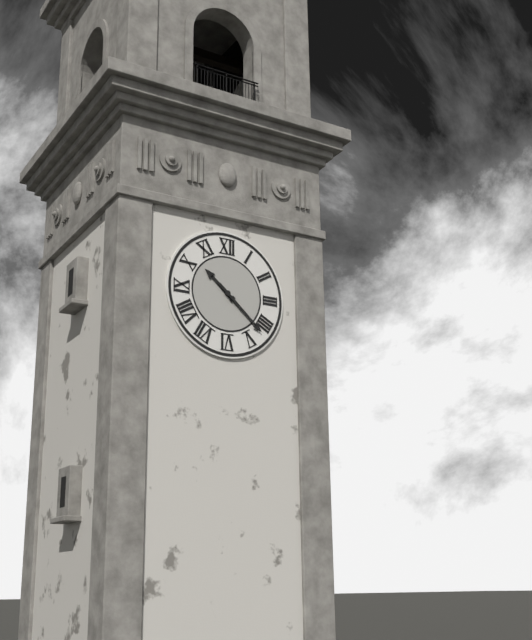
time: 10:22
